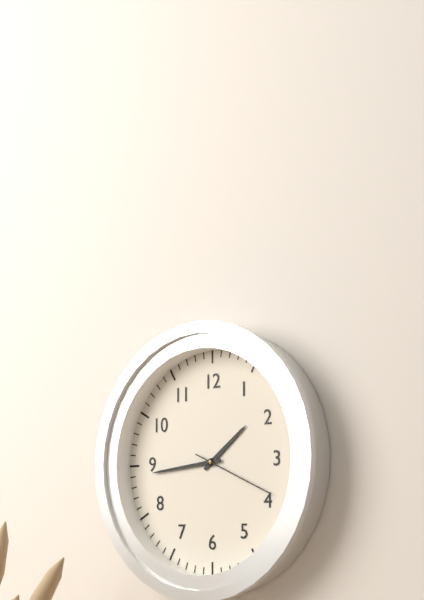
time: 1:44:19
